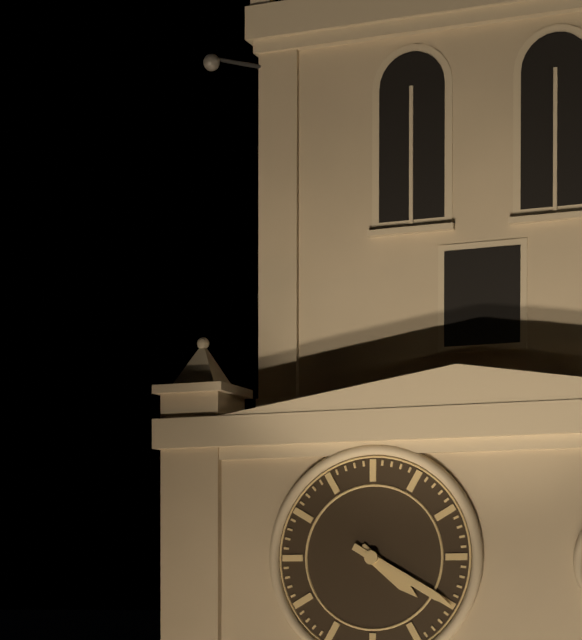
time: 4:20
